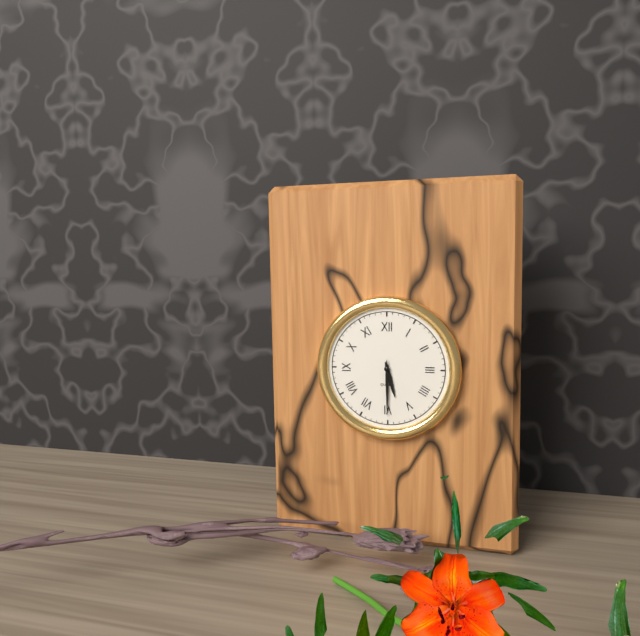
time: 5:30
